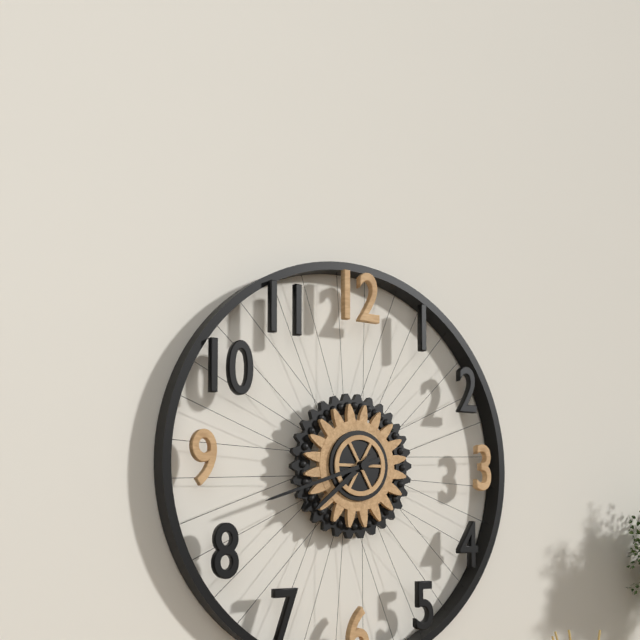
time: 7:42
